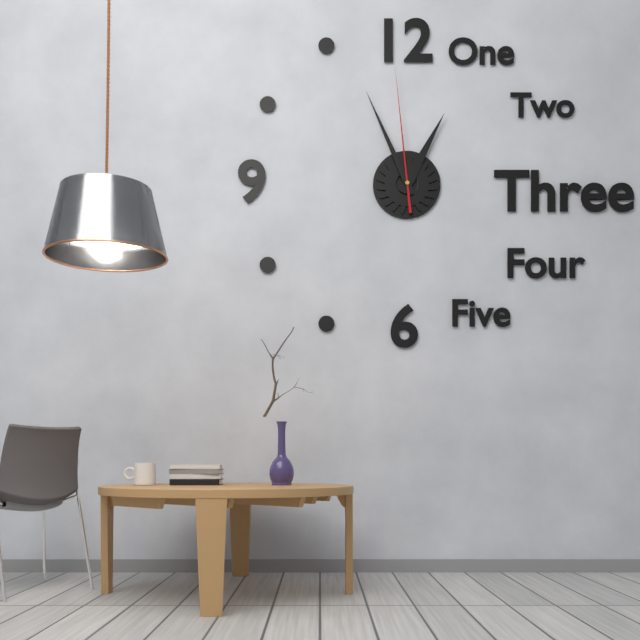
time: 12:56:59
